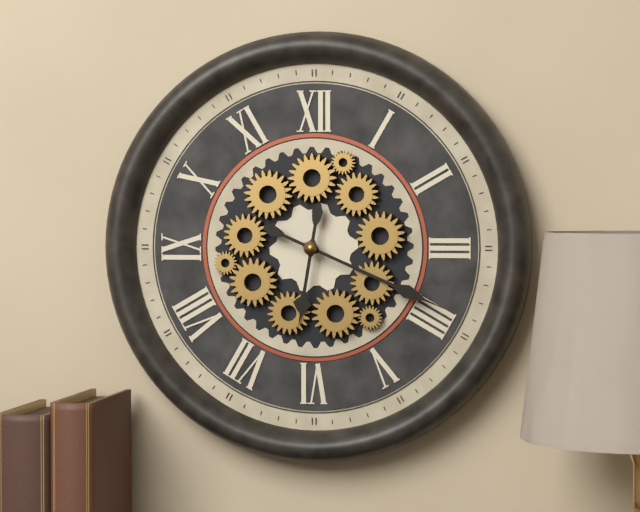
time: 6:19
